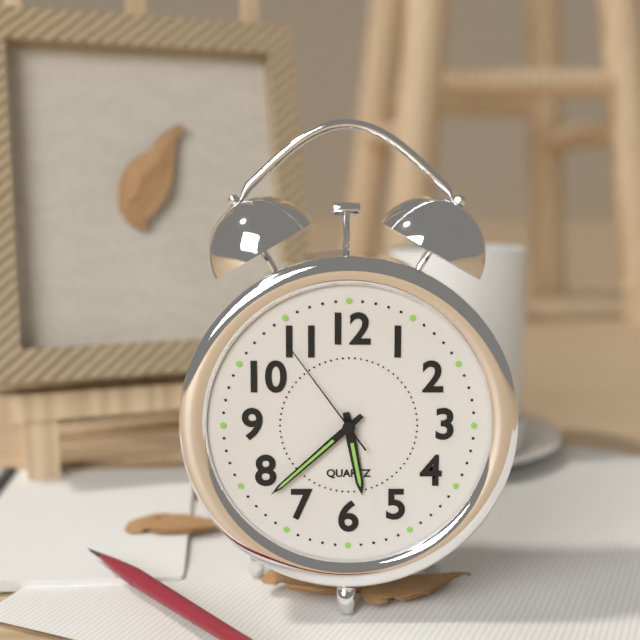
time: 5:38:54
